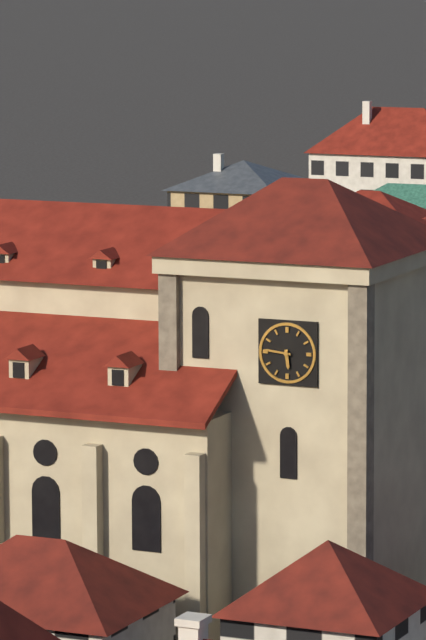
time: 5:46
